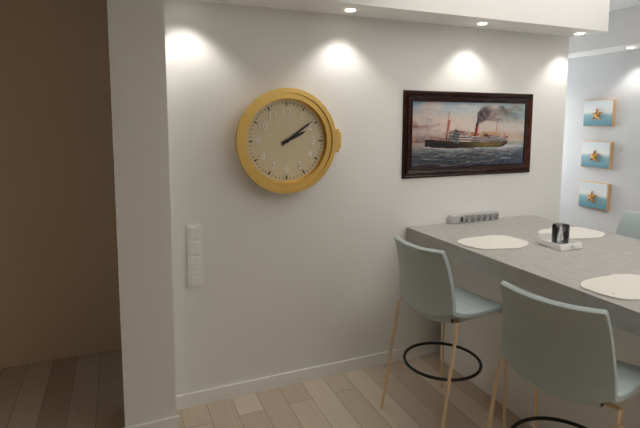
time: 2:09
